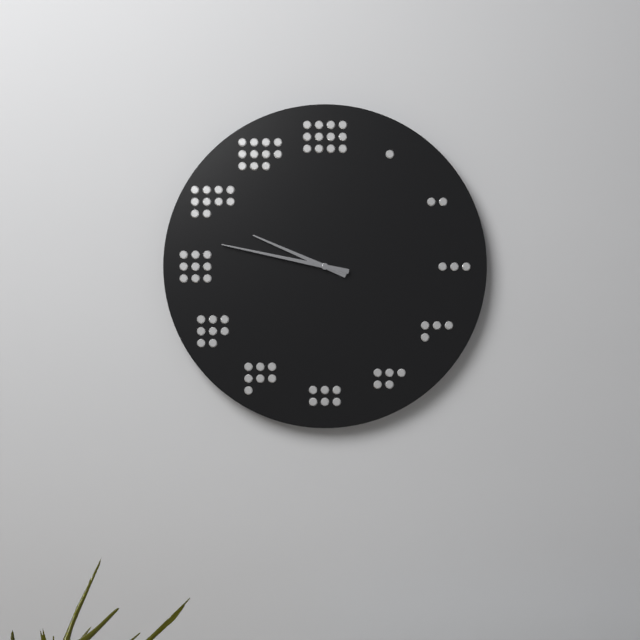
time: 9:47
